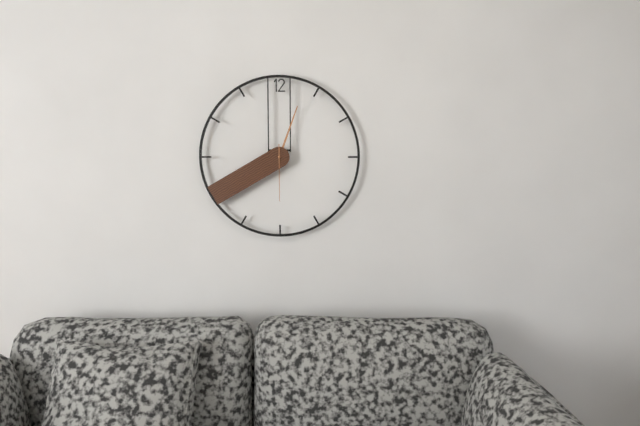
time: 12:40:30
